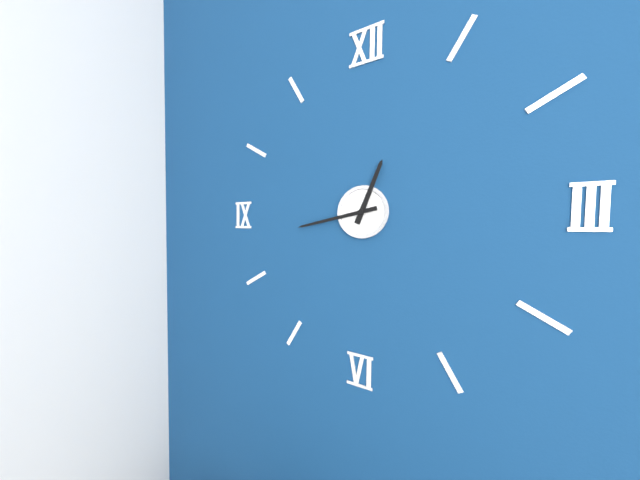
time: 12:43
